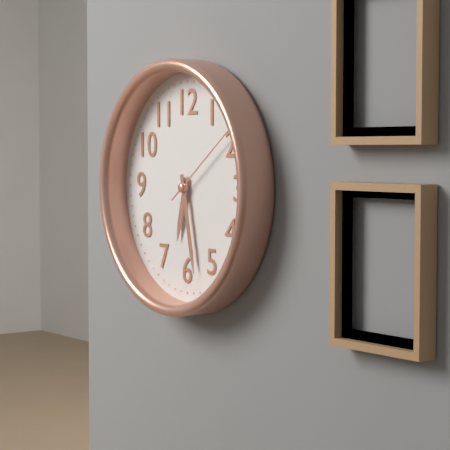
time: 6:28:09
